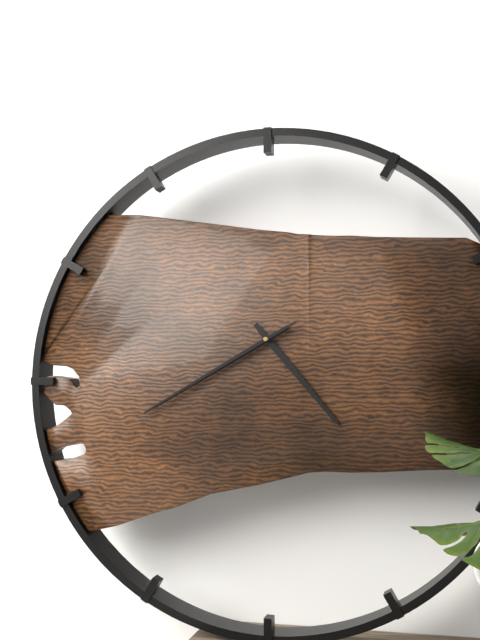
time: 4:40:40
